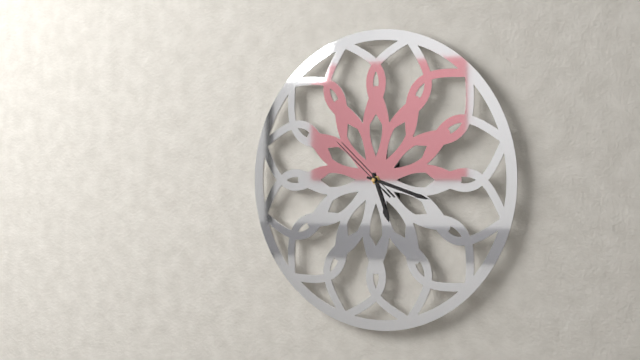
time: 5:18:52
